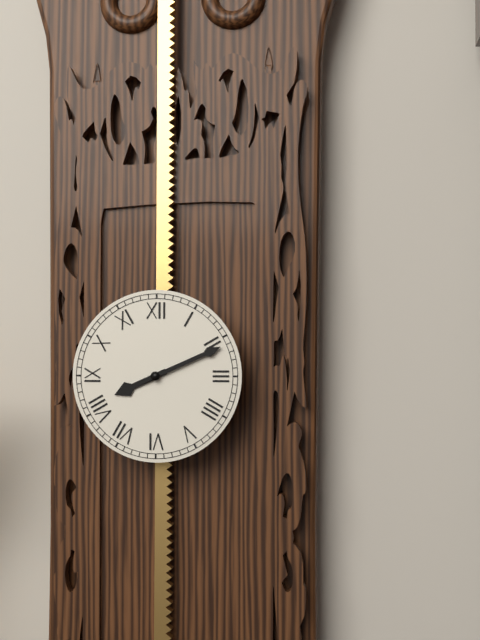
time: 8:11
